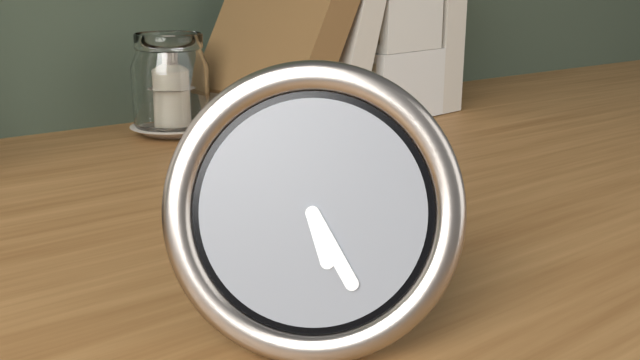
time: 5:25
